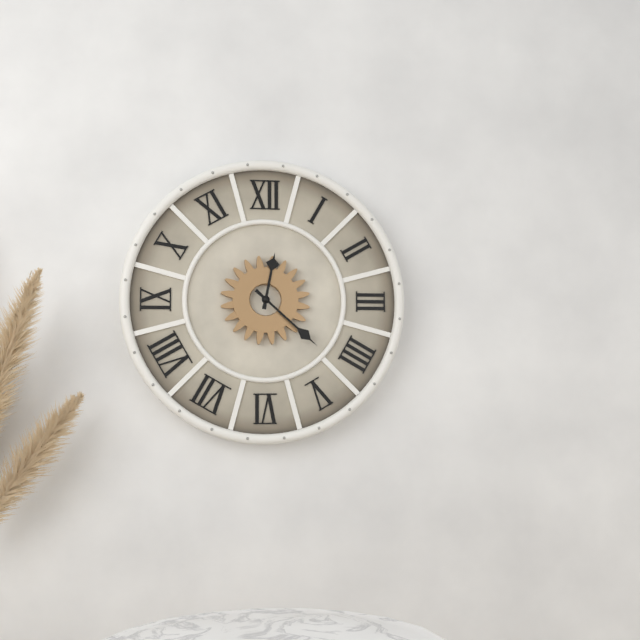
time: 12:22
